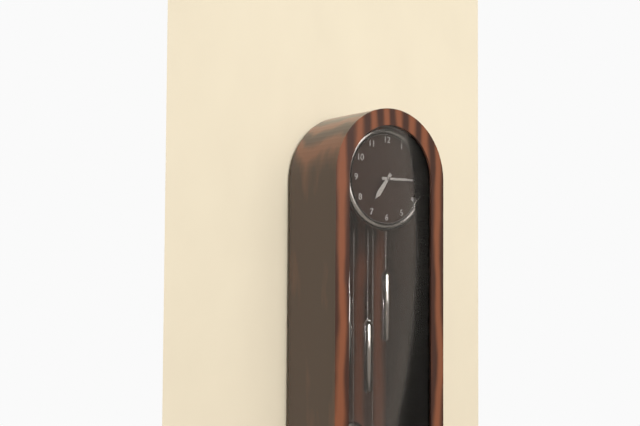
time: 7:15
